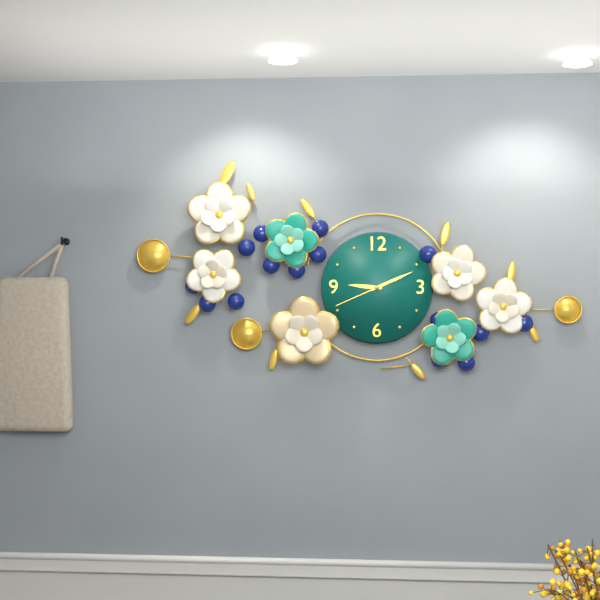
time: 9:11:41
